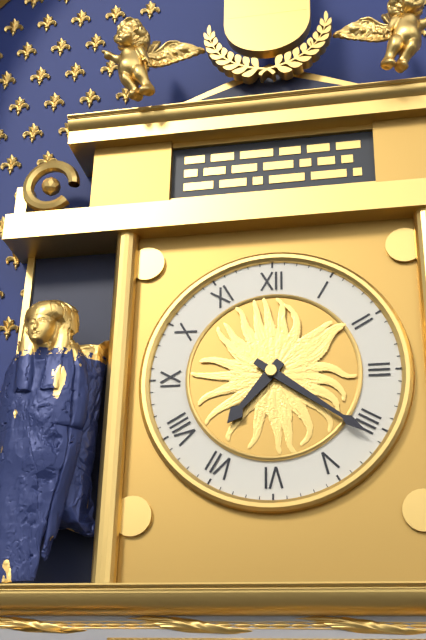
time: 7:21
